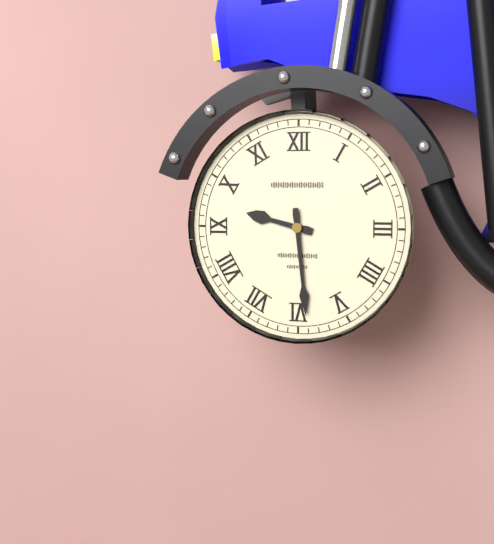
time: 9:29
